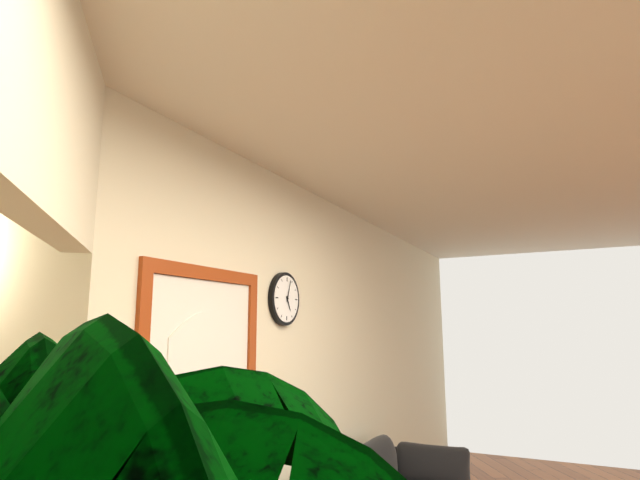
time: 5:03
